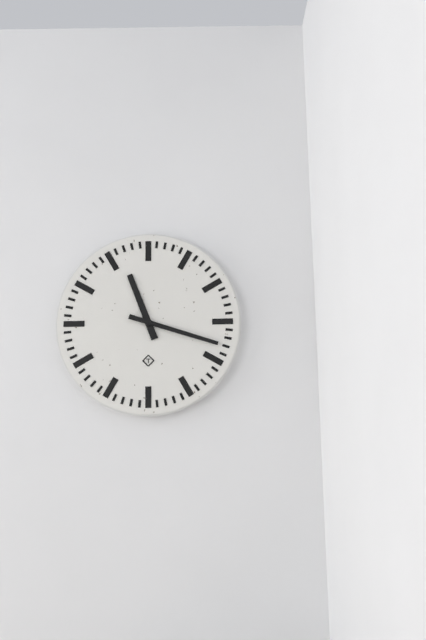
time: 11:18
